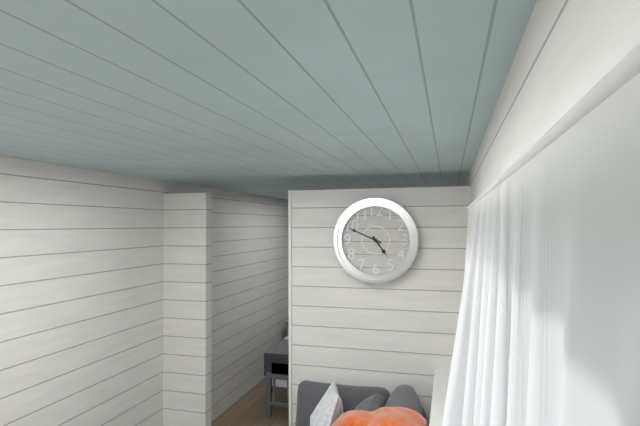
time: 4:49
